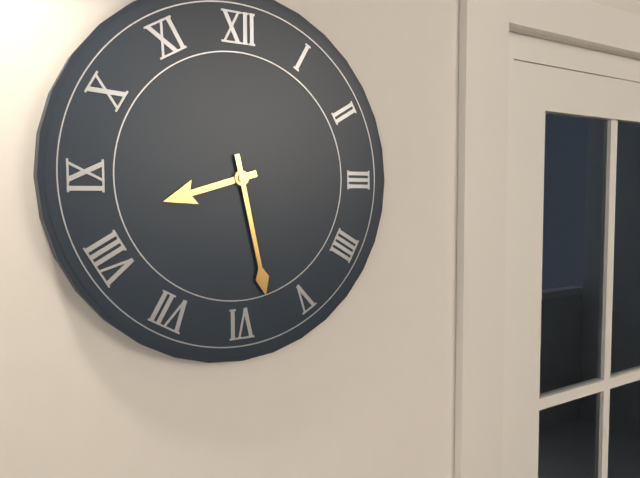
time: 8:28
